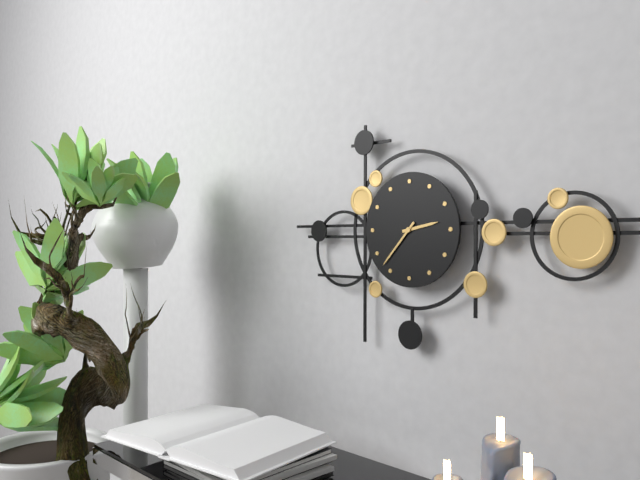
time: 2:37
